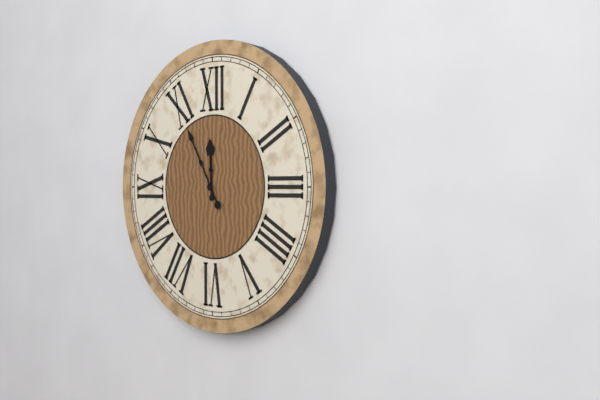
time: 11:55
